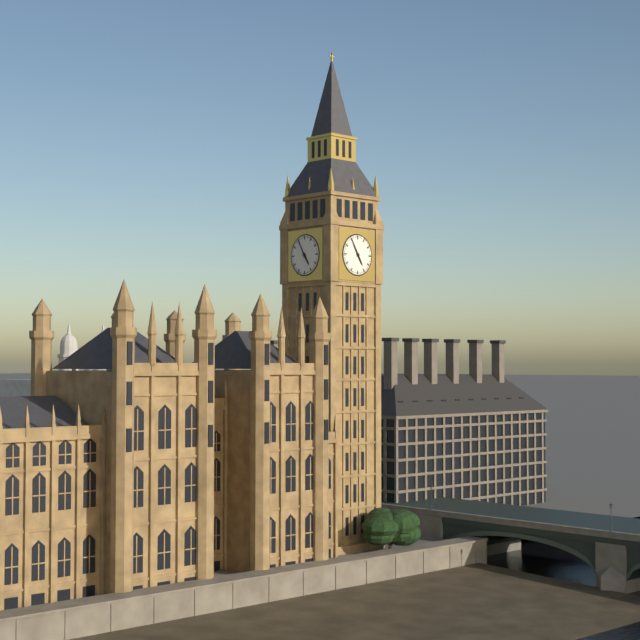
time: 4:55
